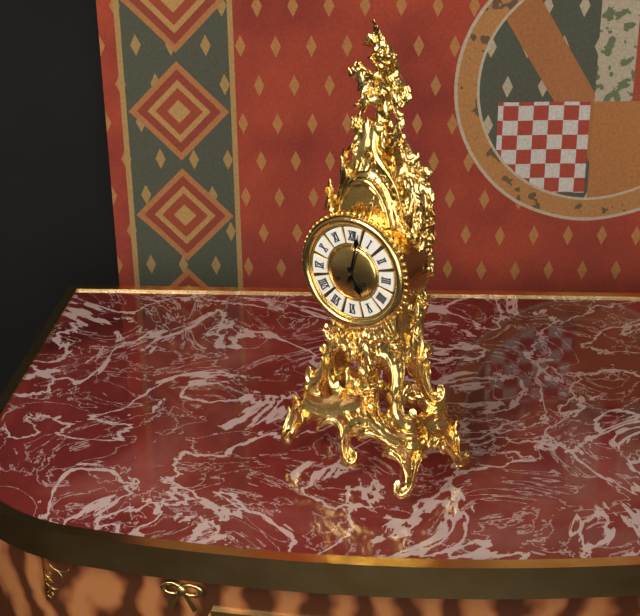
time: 5:02
